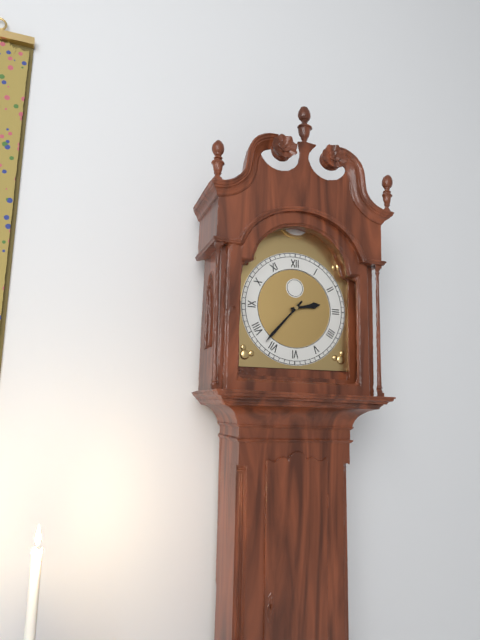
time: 2:37
